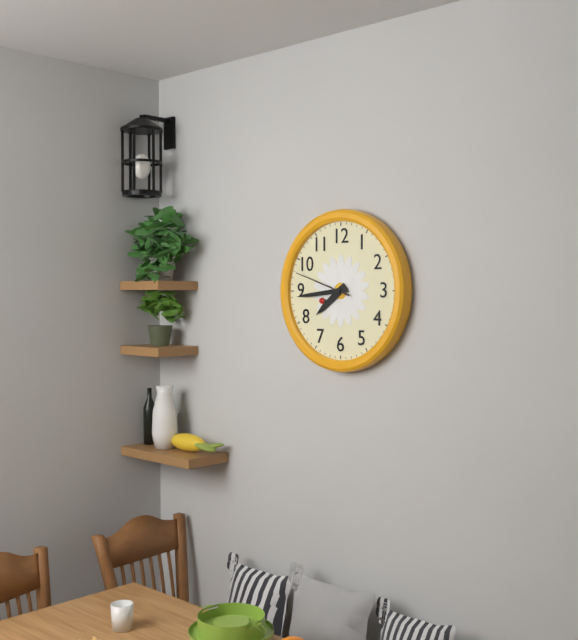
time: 7:44:48
